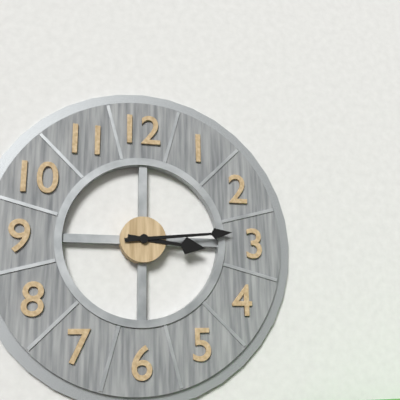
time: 3:14
